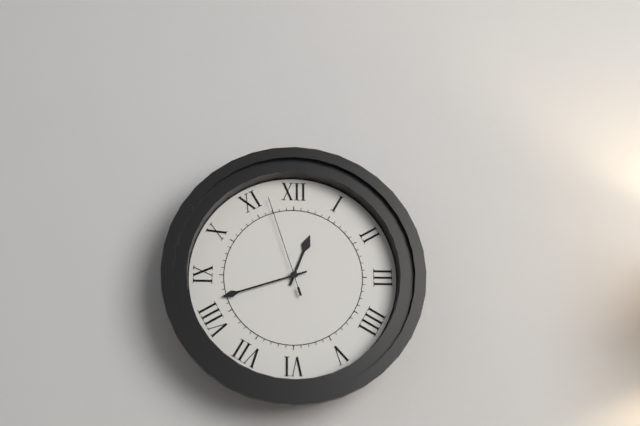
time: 12:42:57
